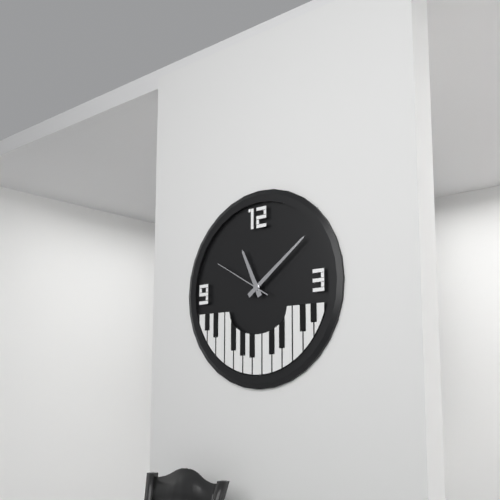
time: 11:09:50
